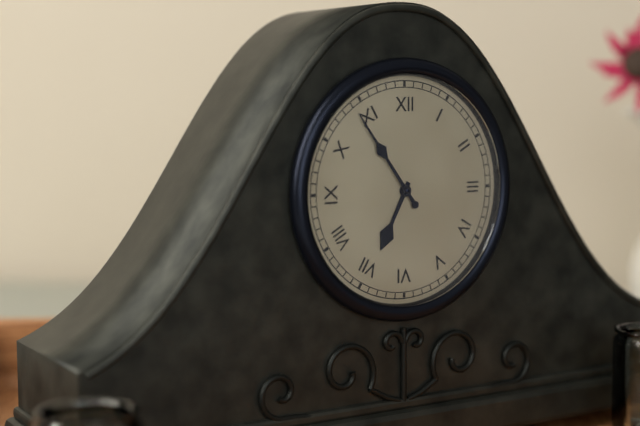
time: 6:54
